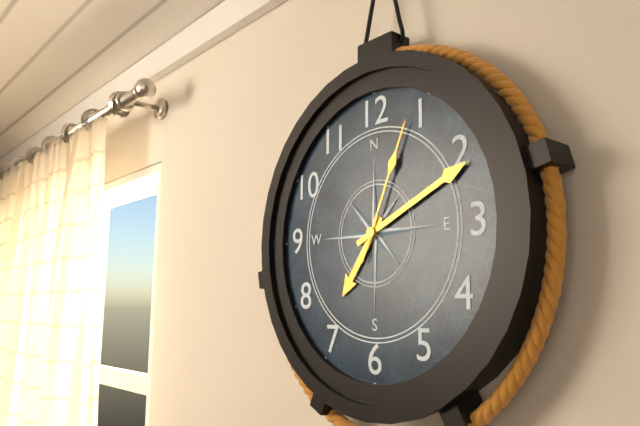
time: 7:11:04
